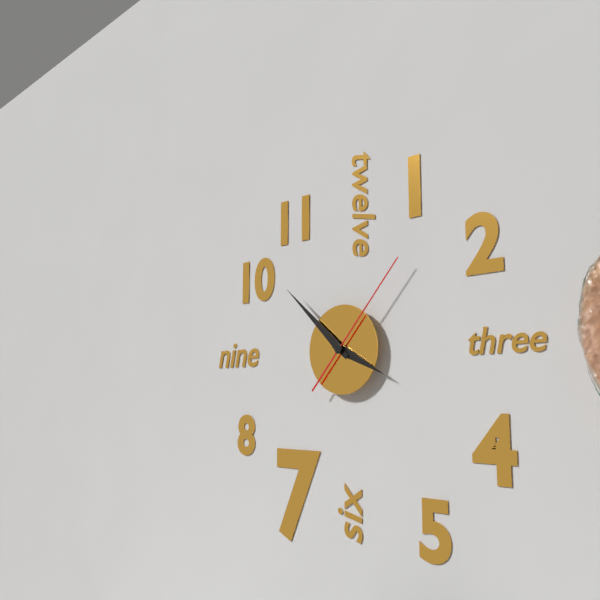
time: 3:52:07
